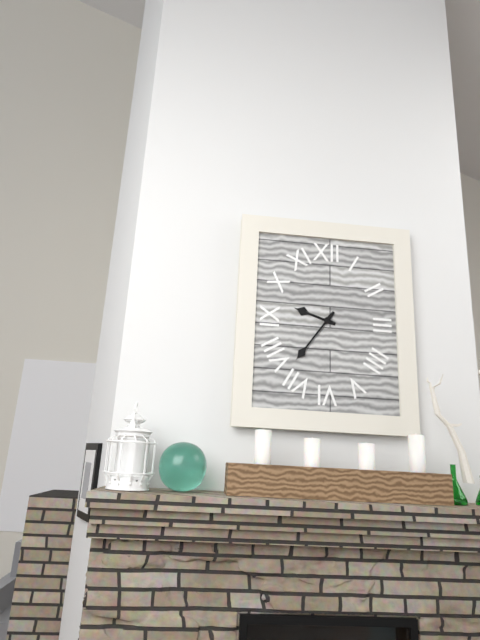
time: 9:36
